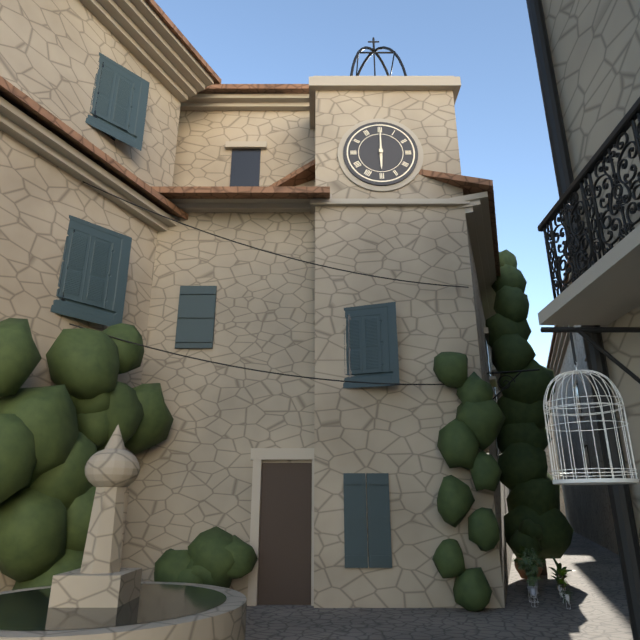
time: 6:00
